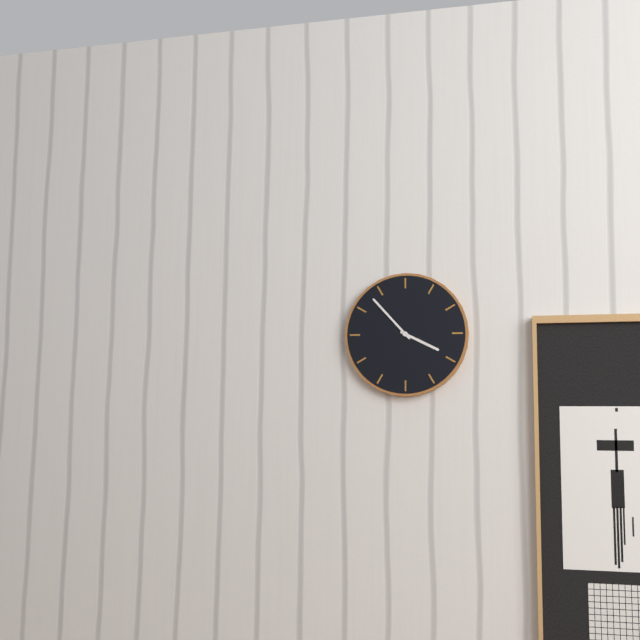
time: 3:53
